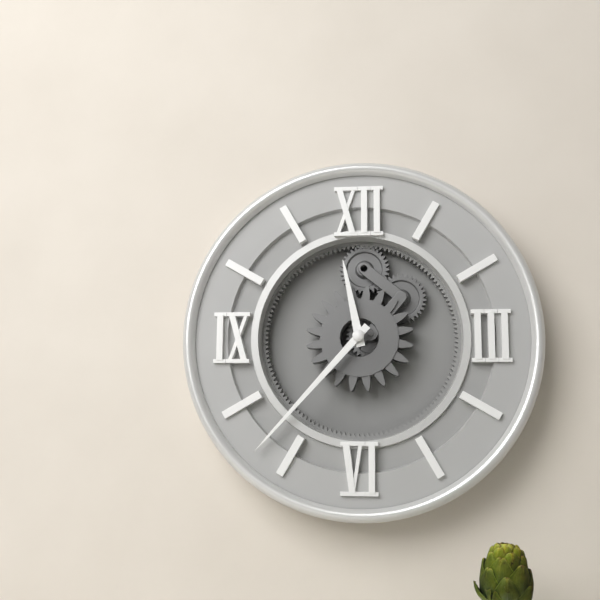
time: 11:37
